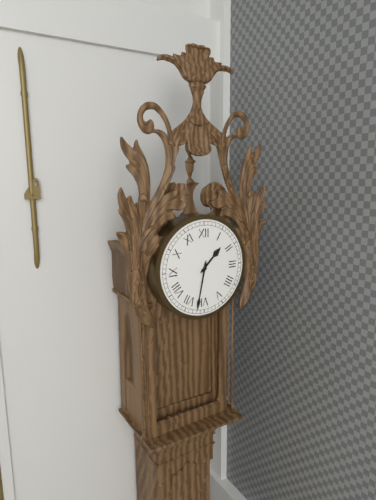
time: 1:32
